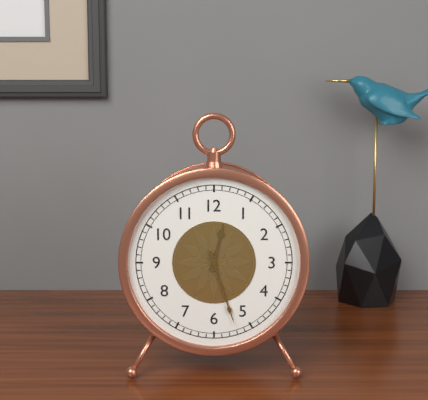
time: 12:27
